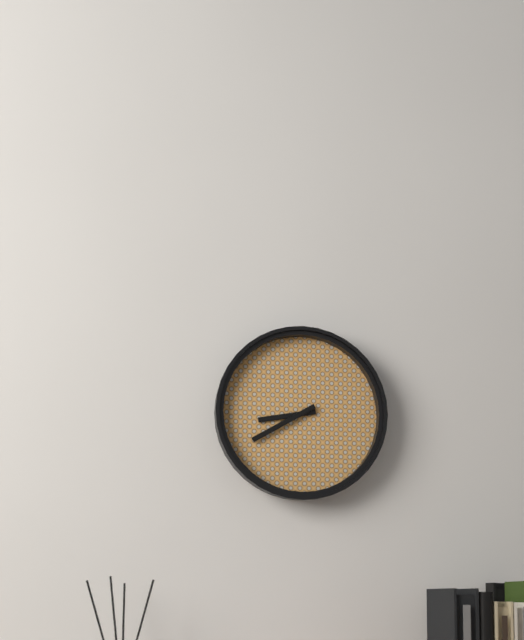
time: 8:40
